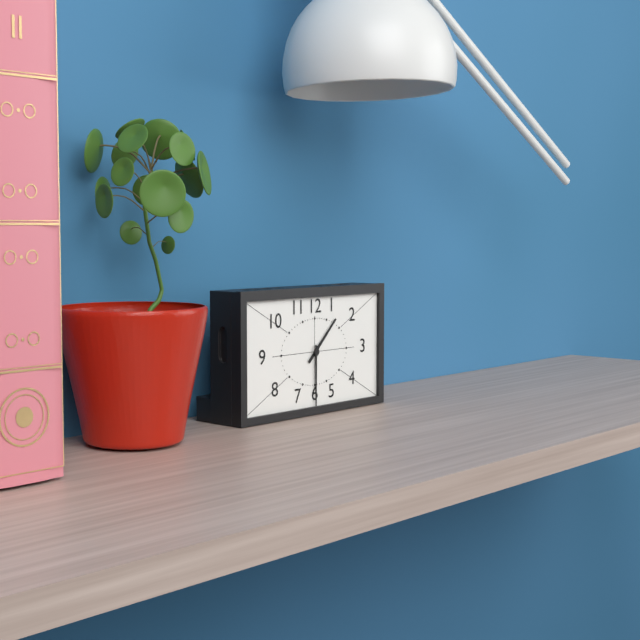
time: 1:30
